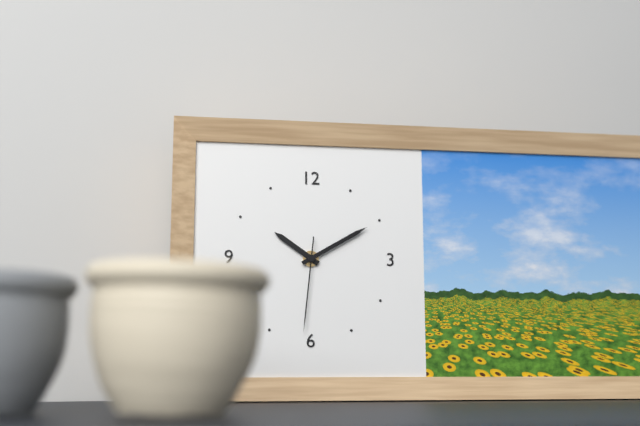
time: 10:10:31
